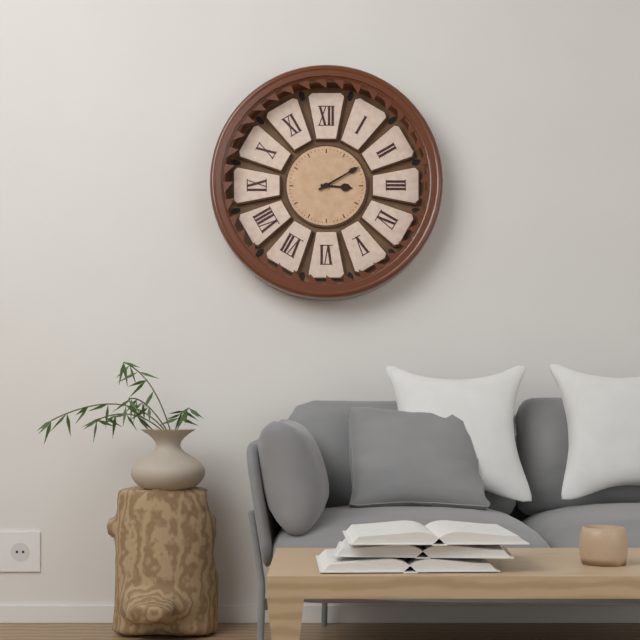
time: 3:10
